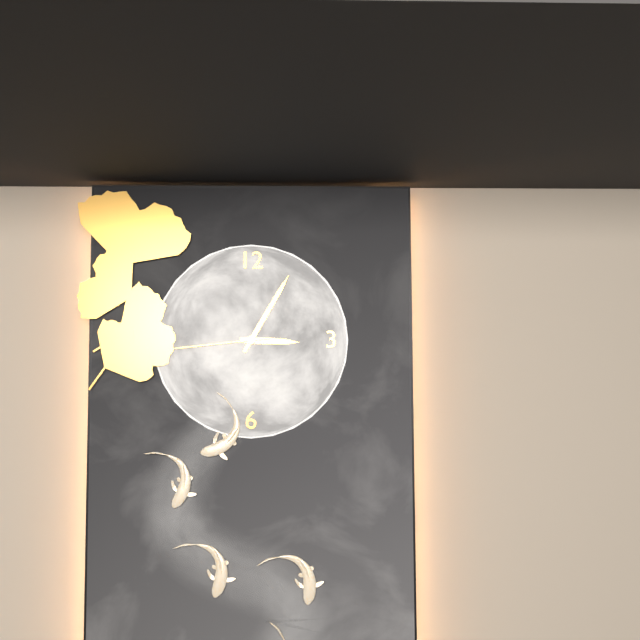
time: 3:05:44
